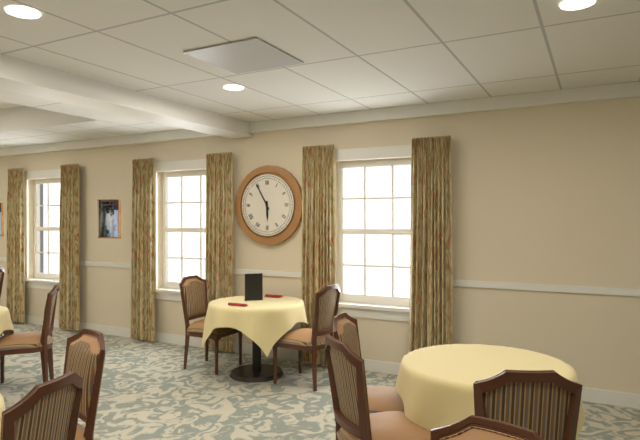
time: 5:55
